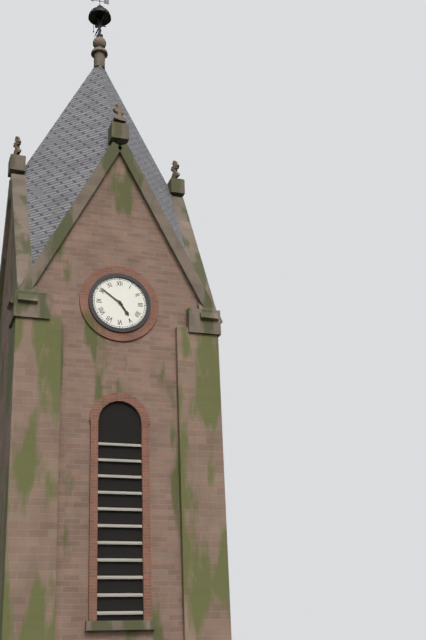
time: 4:51
